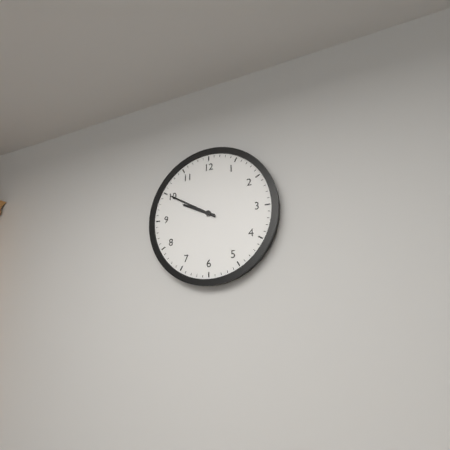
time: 9:50
